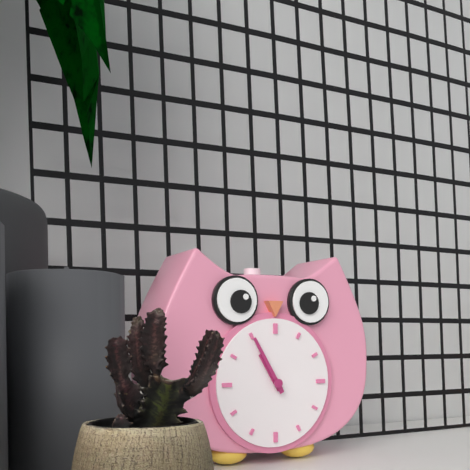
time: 10:55
